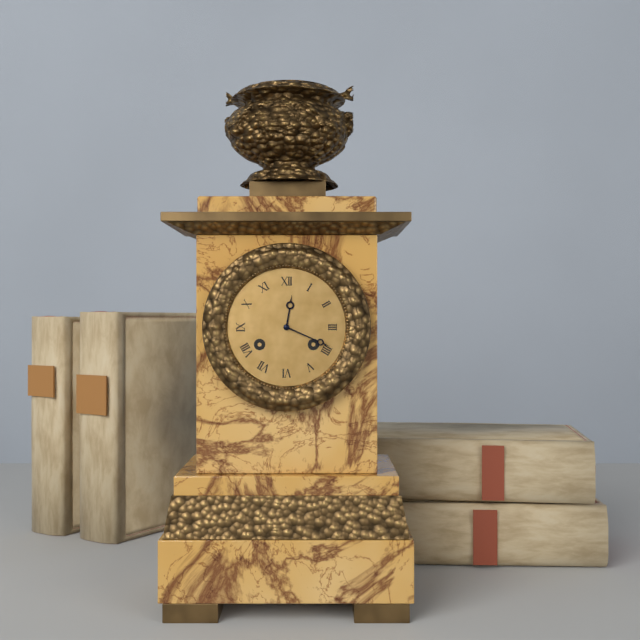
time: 12:19
